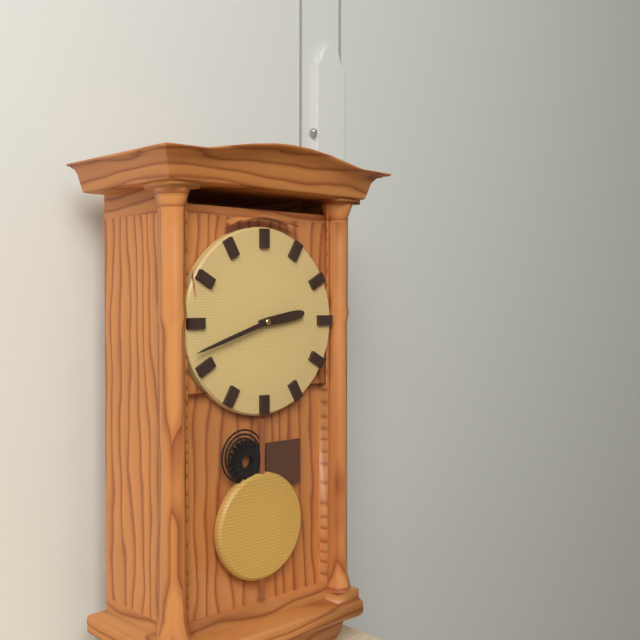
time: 2:42
